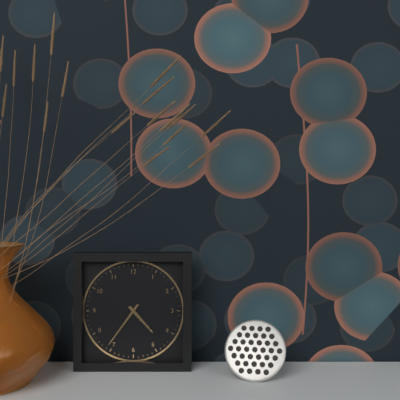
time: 4:36
